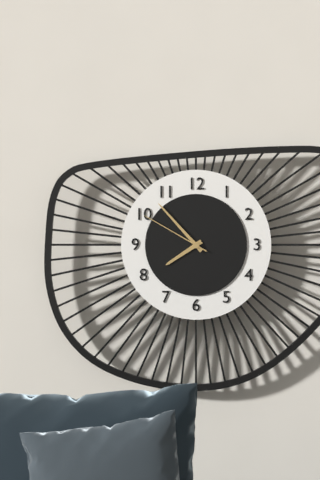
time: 7:53:50
